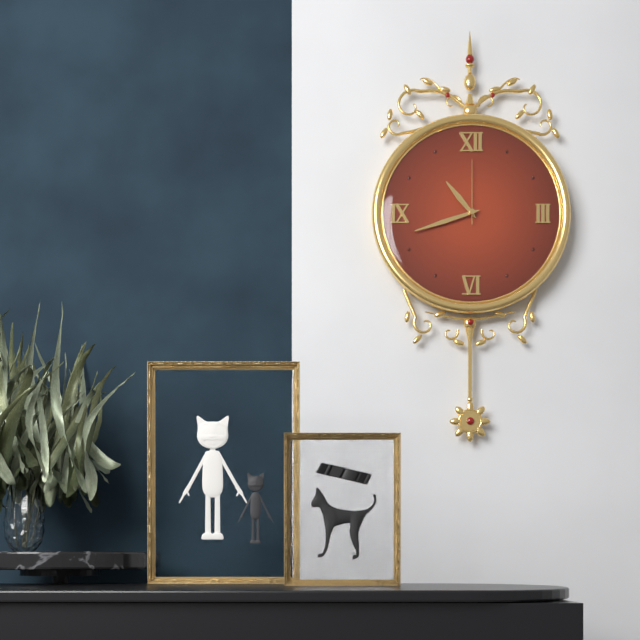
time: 10:42:00
